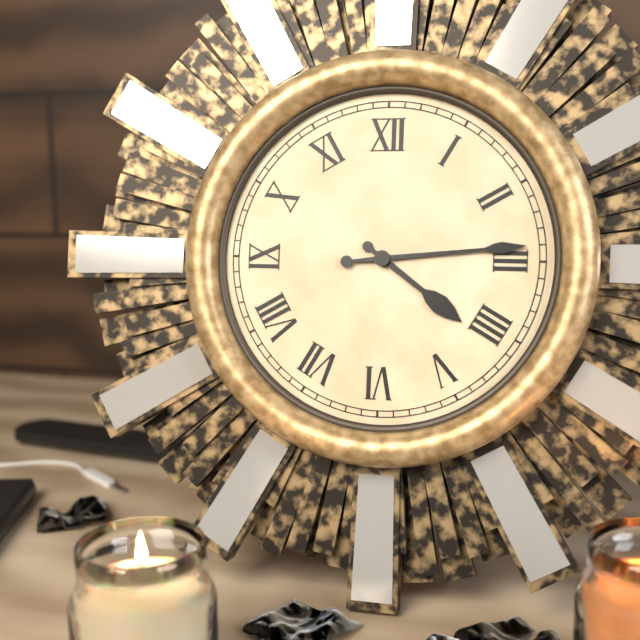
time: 4:14
